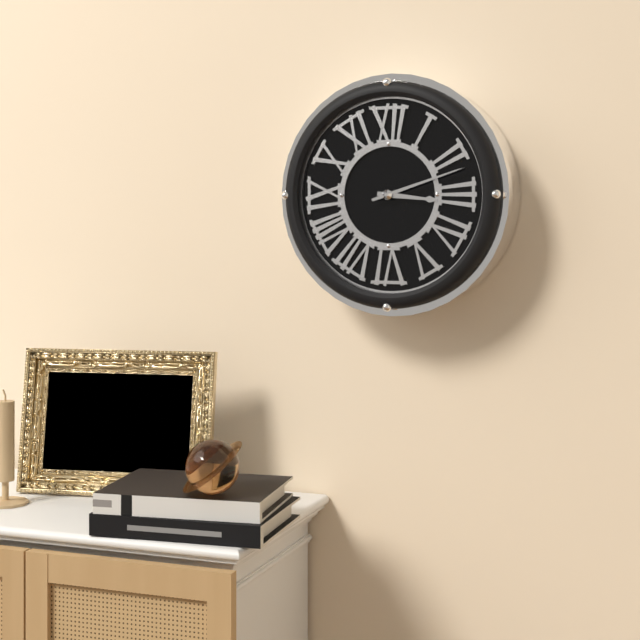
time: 3:12
